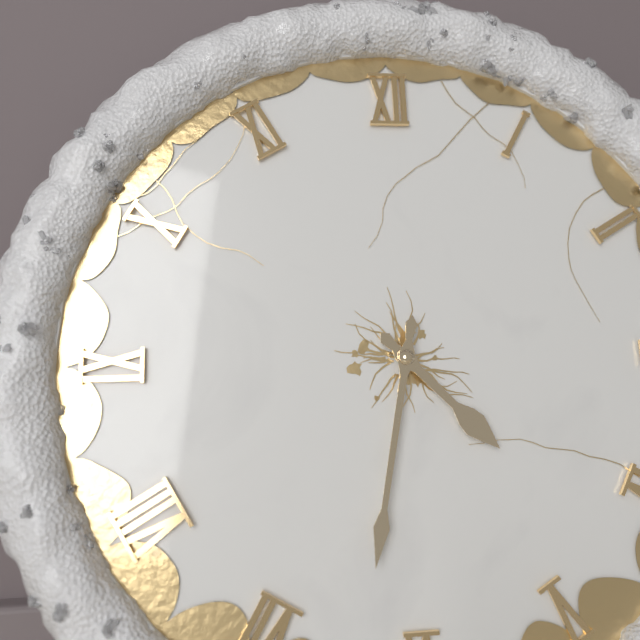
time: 4:32
